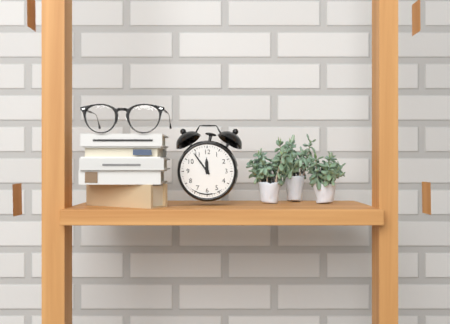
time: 11:54
